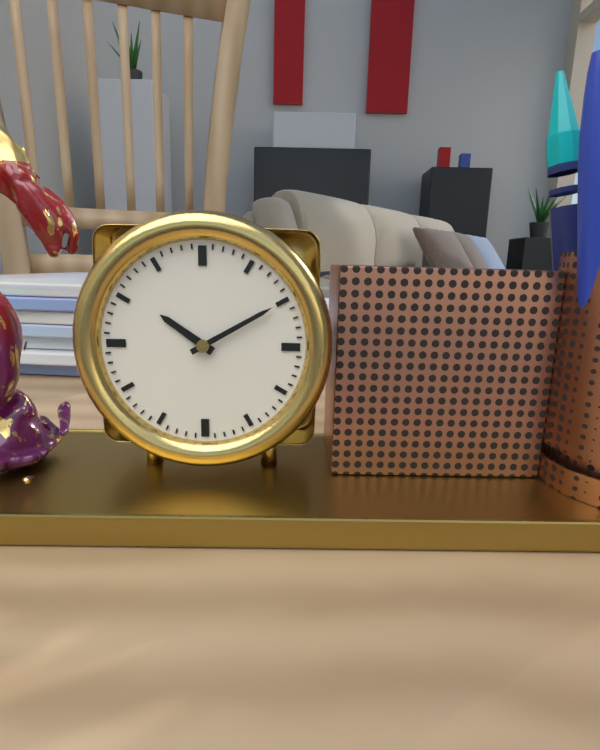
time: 10:10
